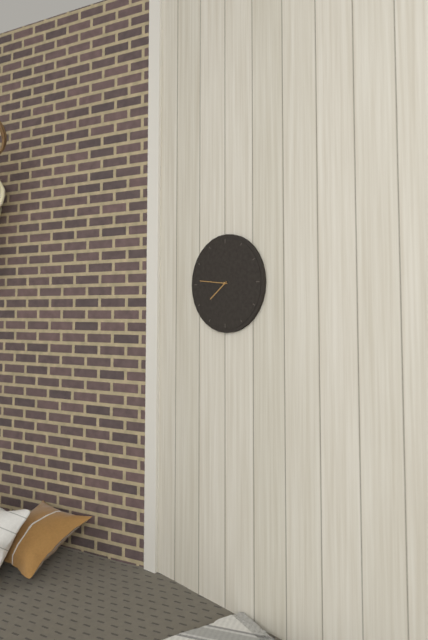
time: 7:46
